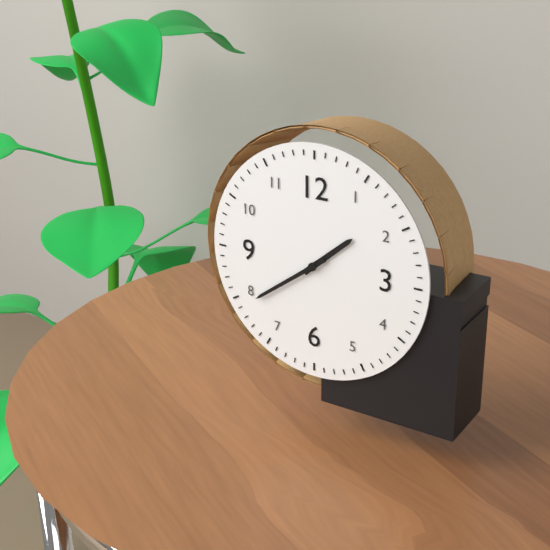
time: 1:39
